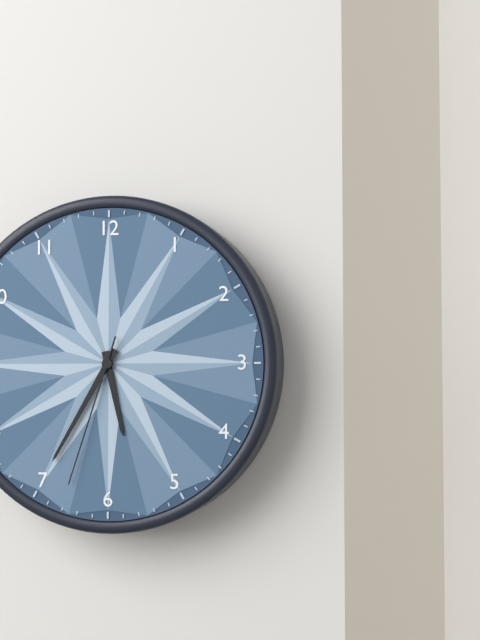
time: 5:35:33
